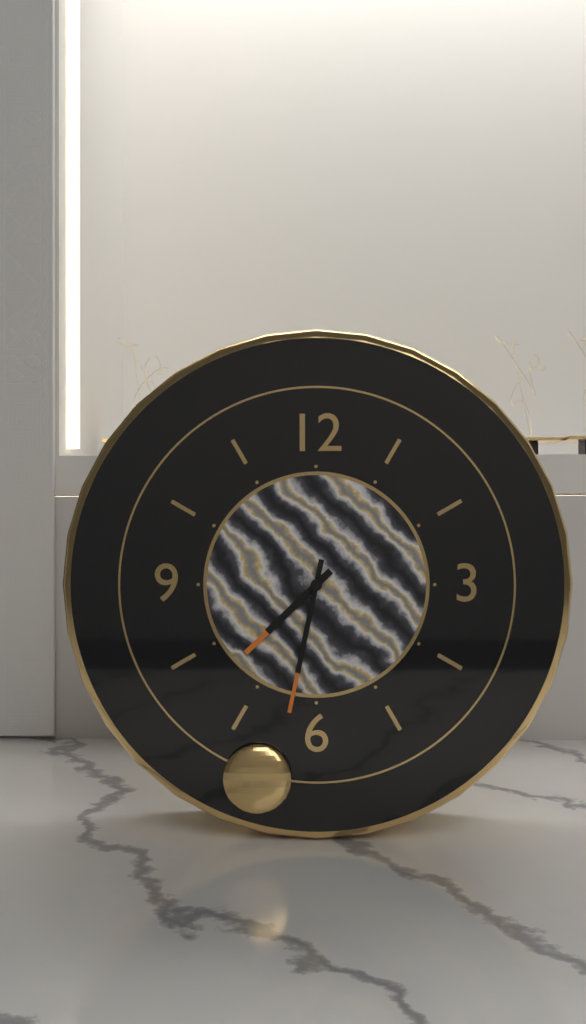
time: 7:32
